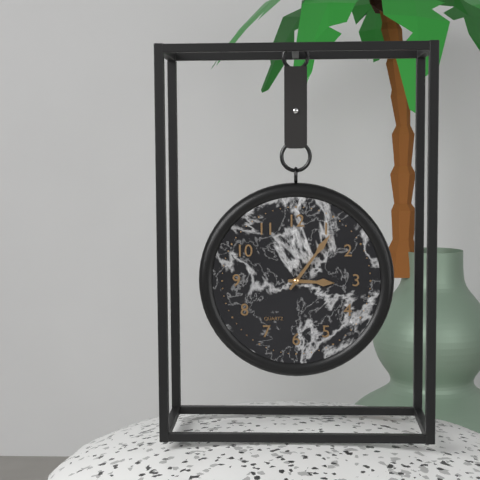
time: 3:06
